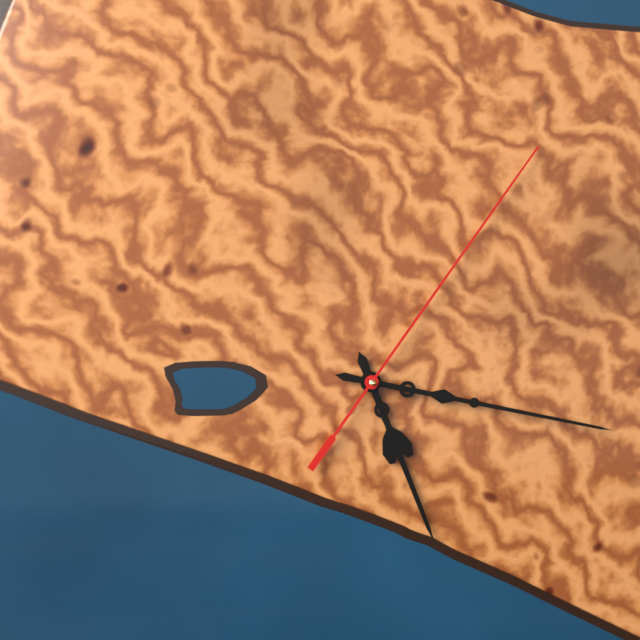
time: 5:17:06
